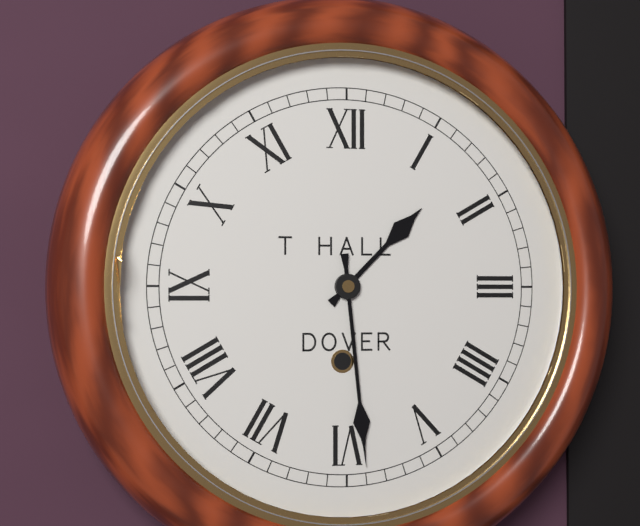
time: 1:29
